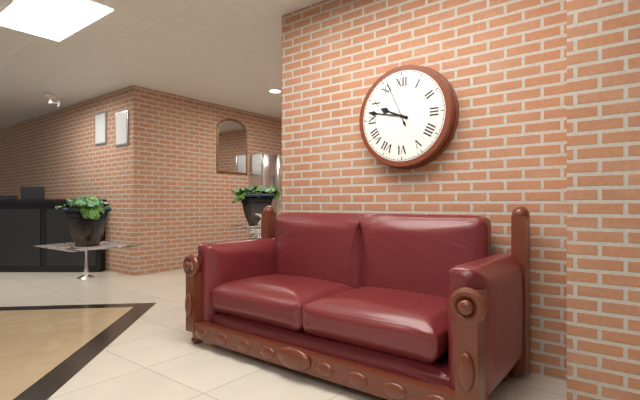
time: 9:47
